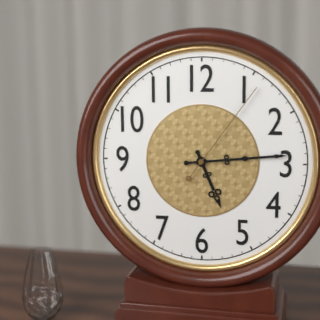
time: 5:14:06
